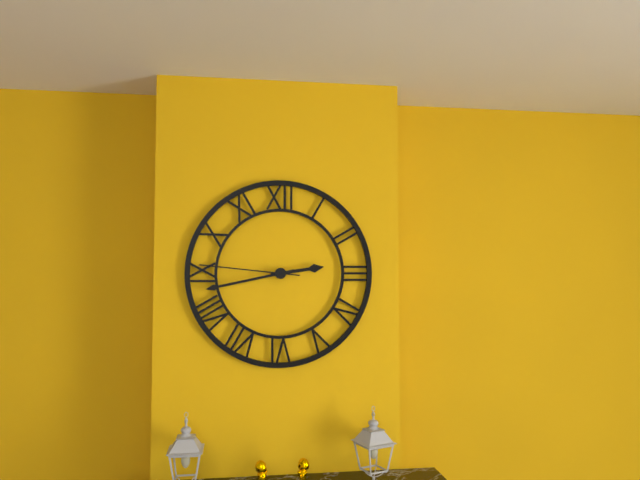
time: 2:43:46
